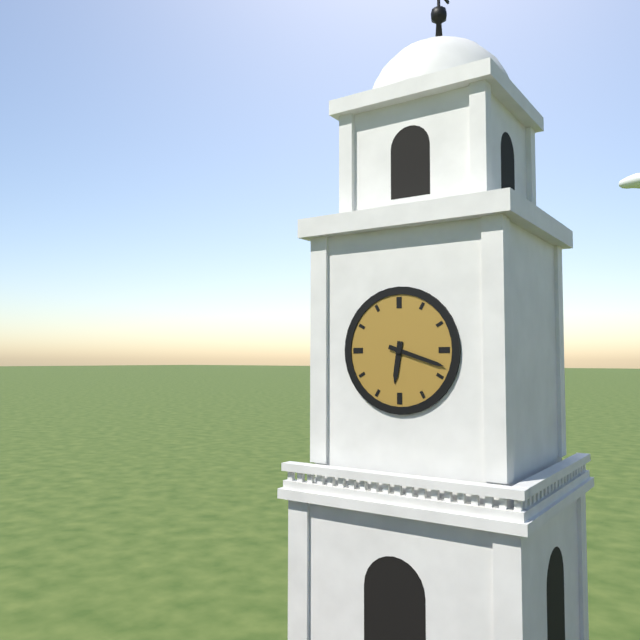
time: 6:18
